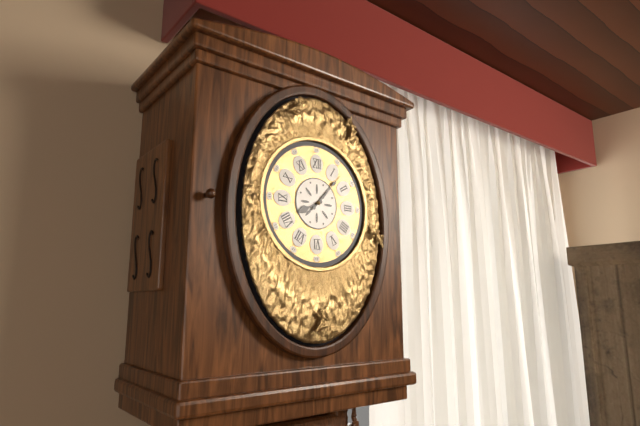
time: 8:07
